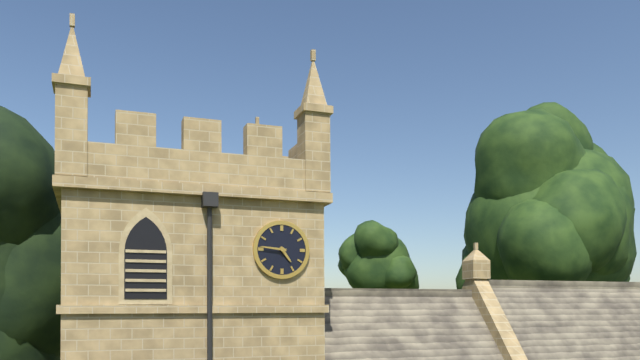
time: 4:46
